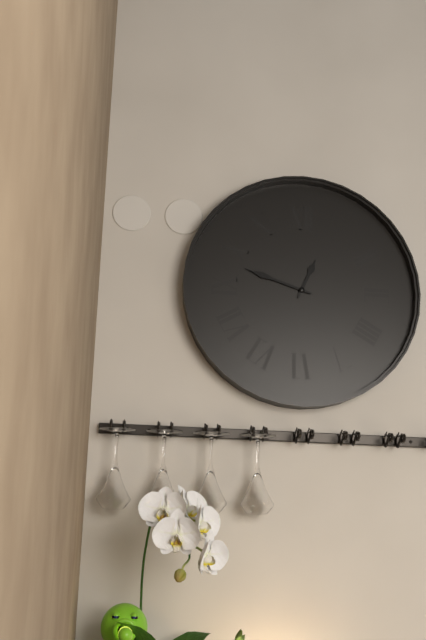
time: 12:48
